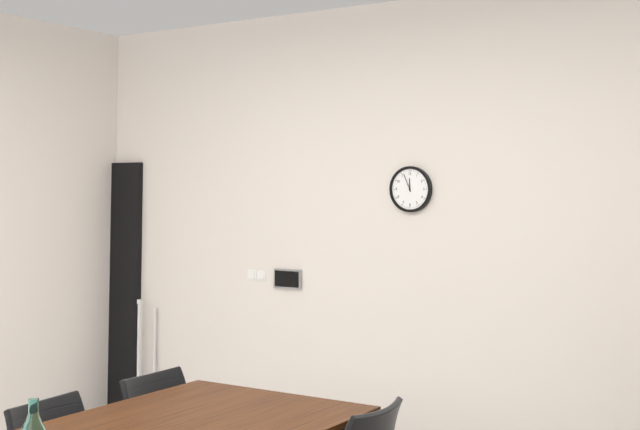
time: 11:56
